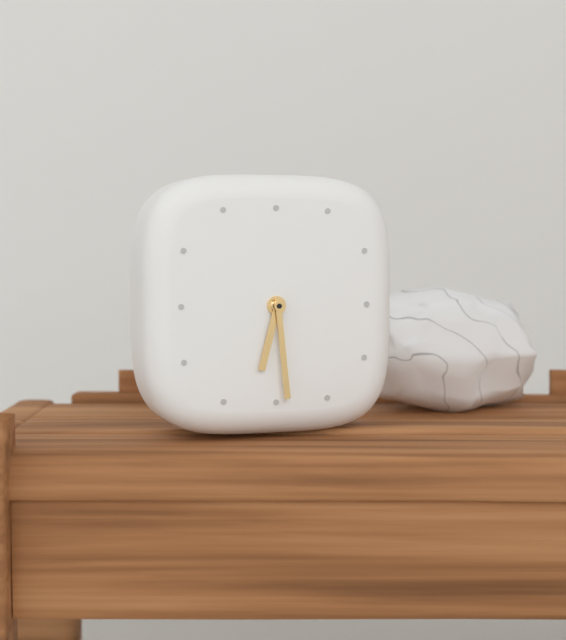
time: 6:29
